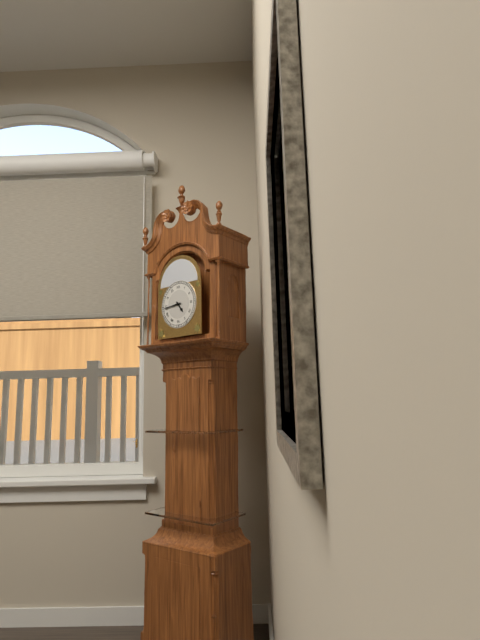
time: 4:44
